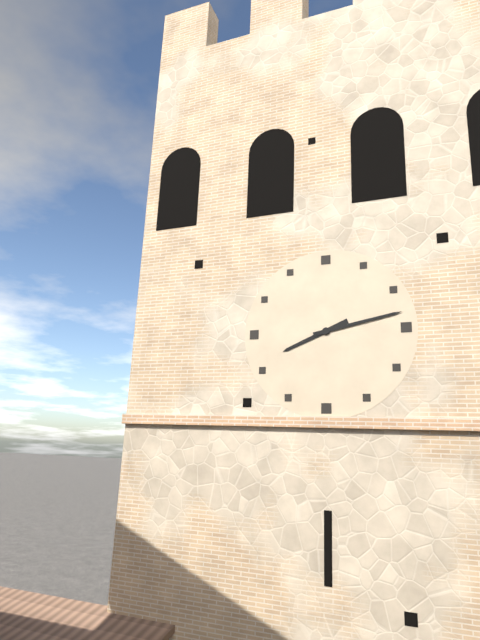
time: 8:13
